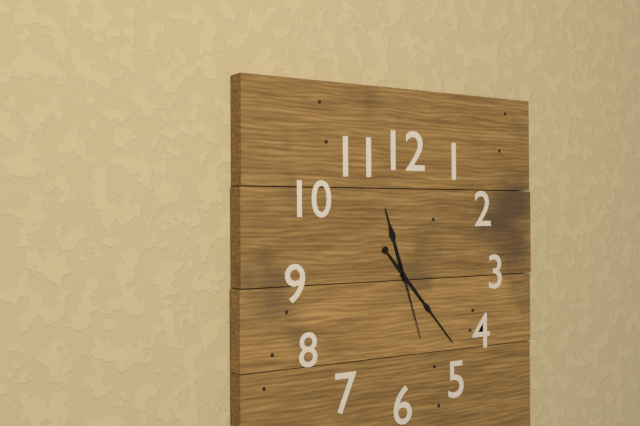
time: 11:23:27
